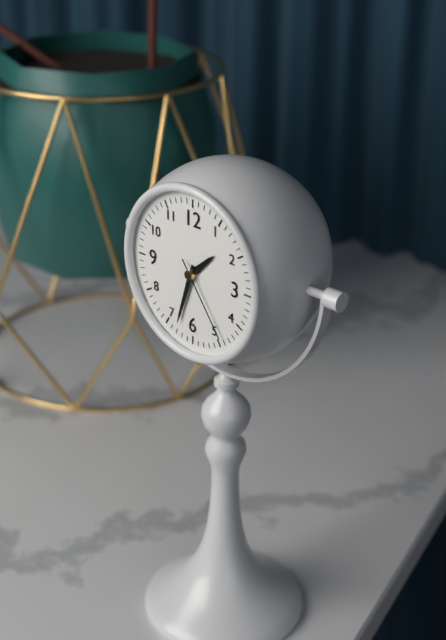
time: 1:33:24
